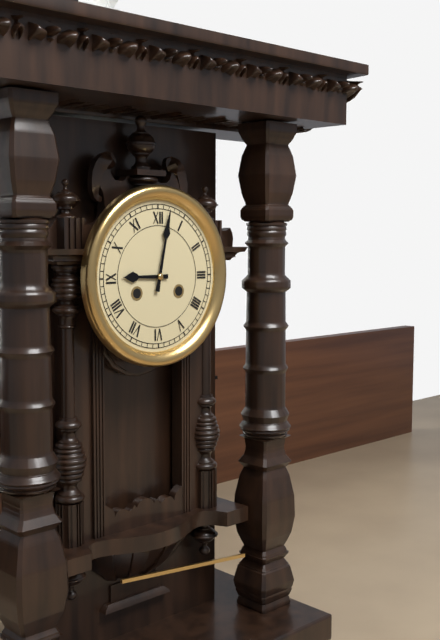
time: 9:02
